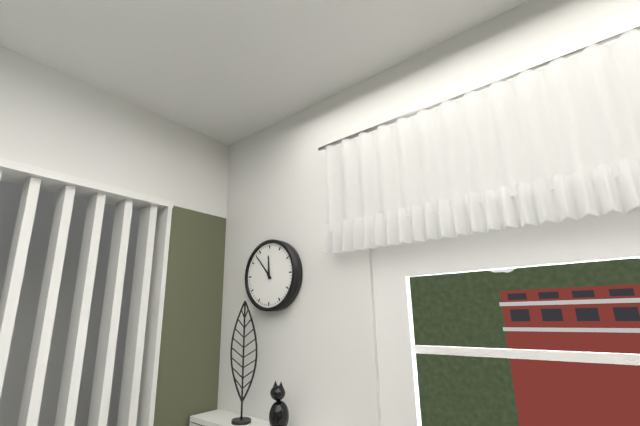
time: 11:53
